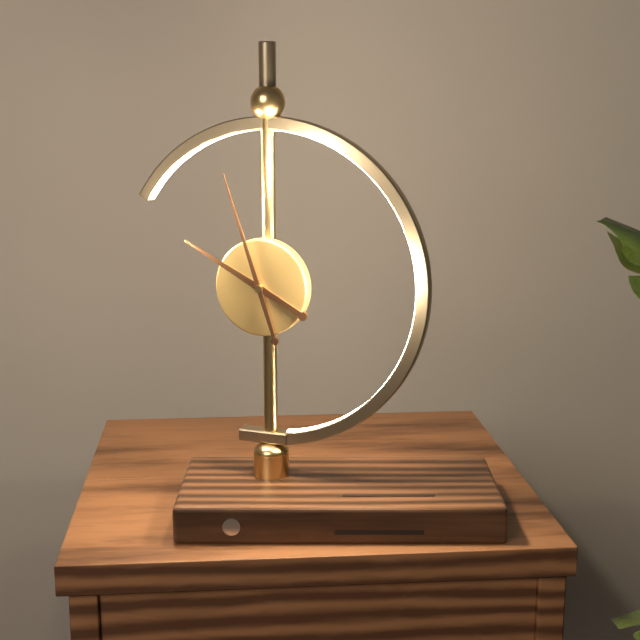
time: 9:57
